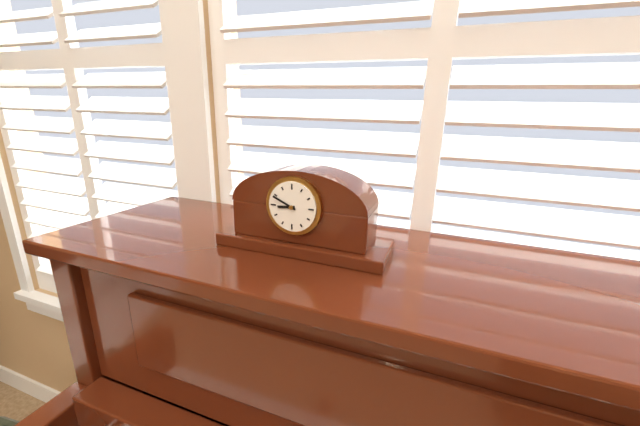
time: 8:49
